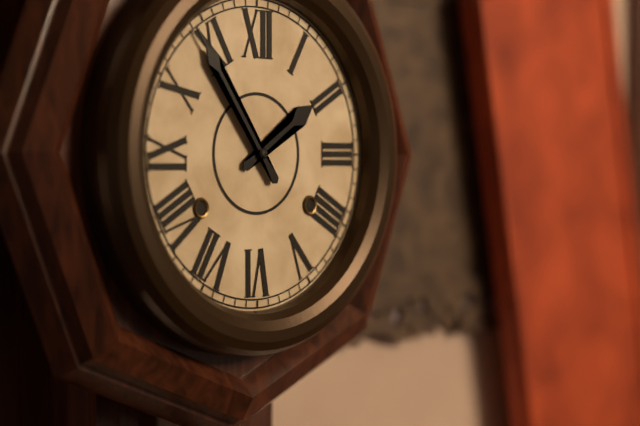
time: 1:54
